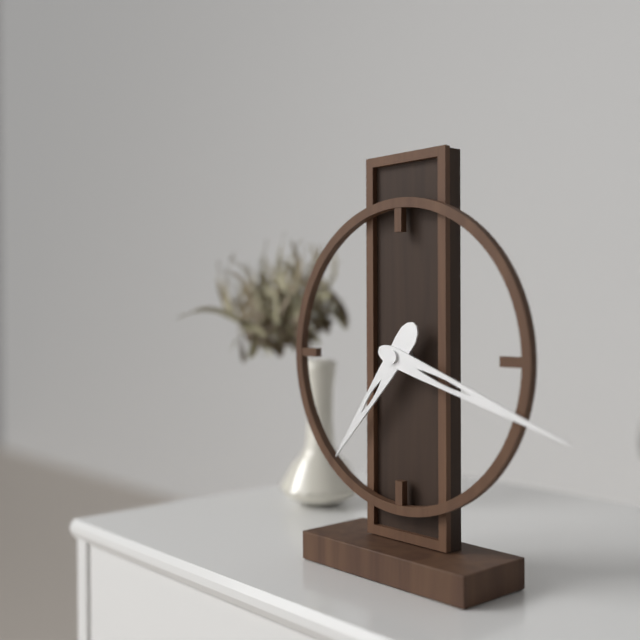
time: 7:18
